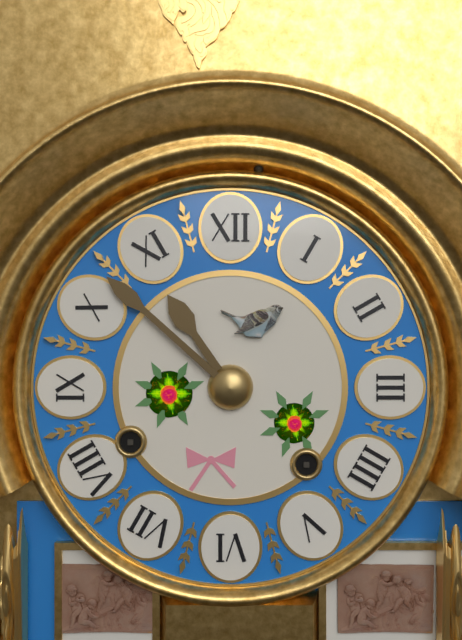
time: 10:52
